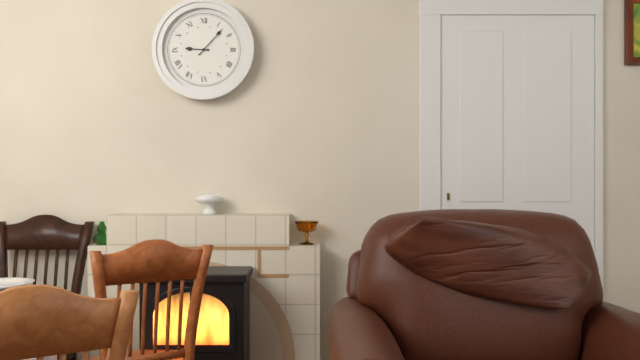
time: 9:07
